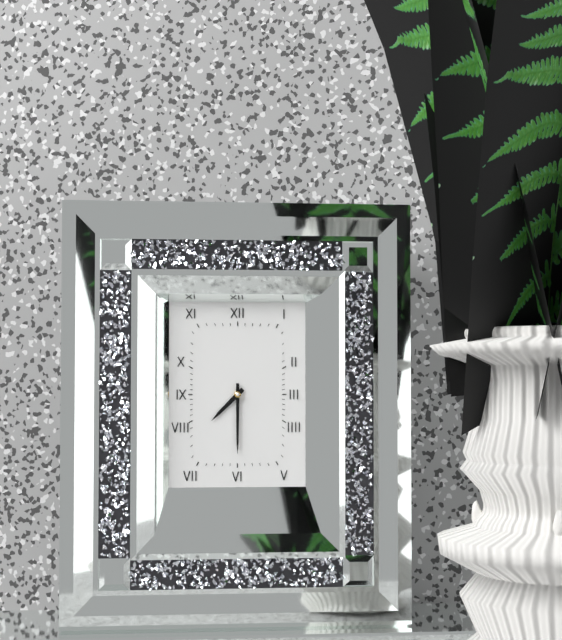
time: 7:30
